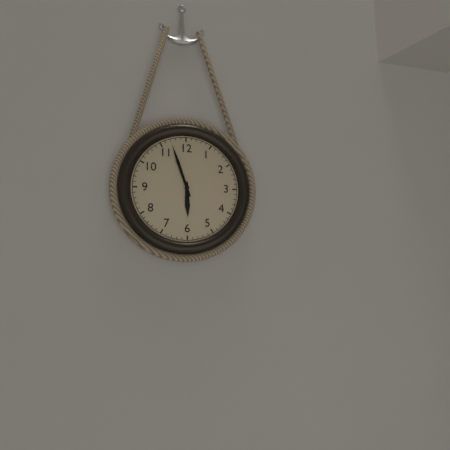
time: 5:57
